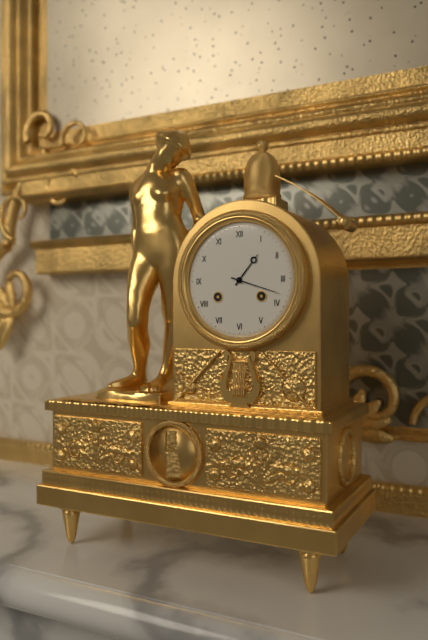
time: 1:18
